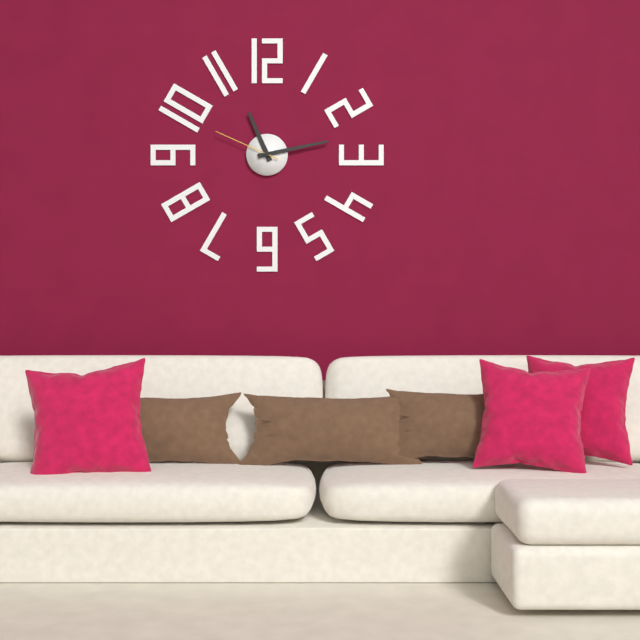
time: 11:13:49
